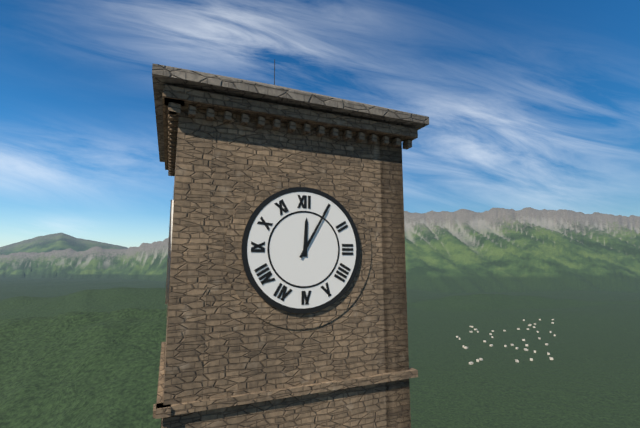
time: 12:05
